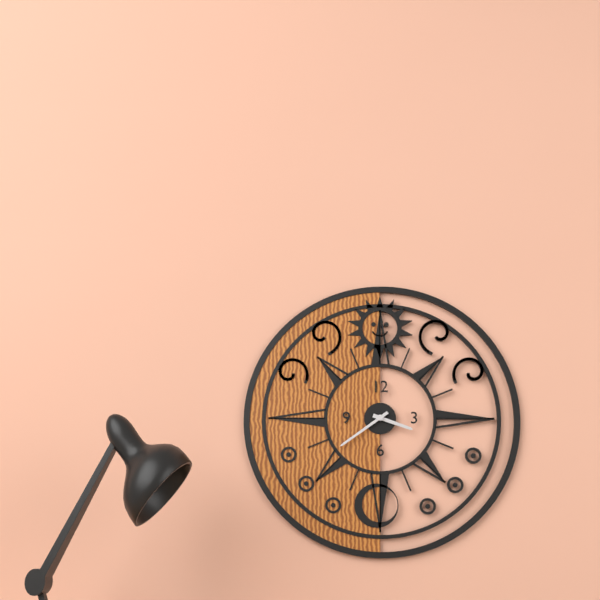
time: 3:39
